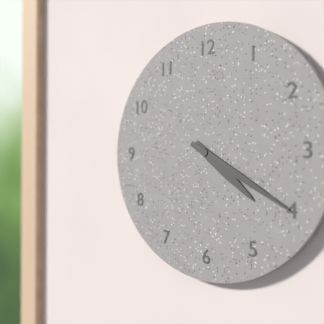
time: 4:20
